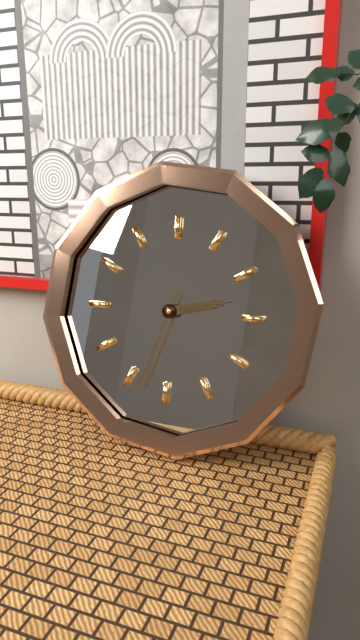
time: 2:33
